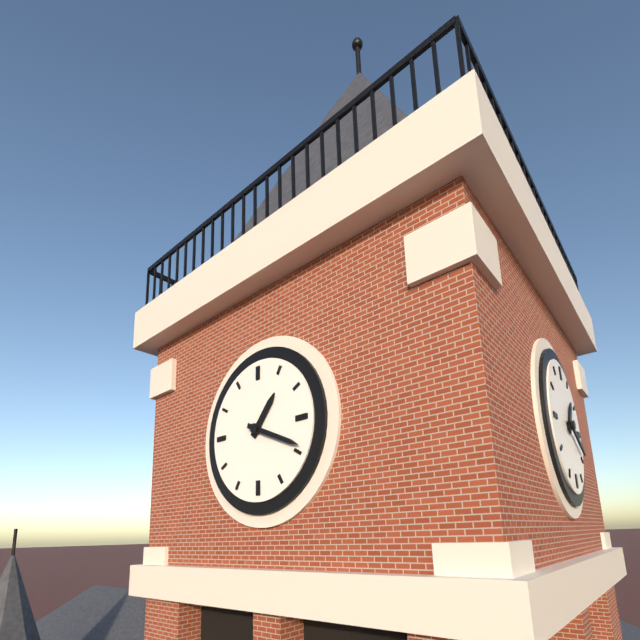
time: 1:19
